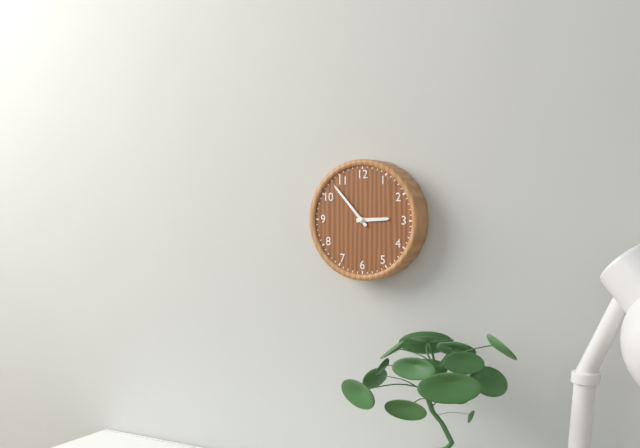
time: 2:53
